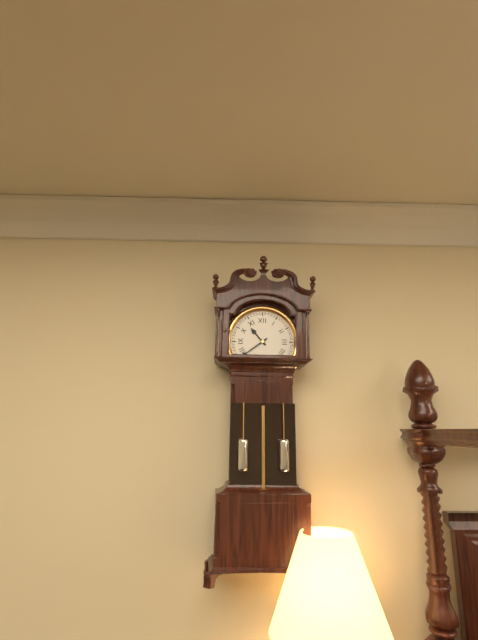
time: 10:39
